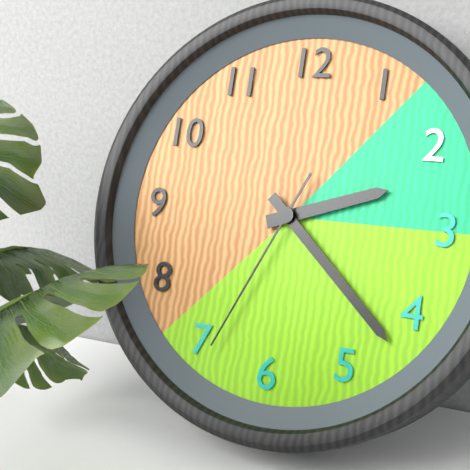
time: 2:22:34
